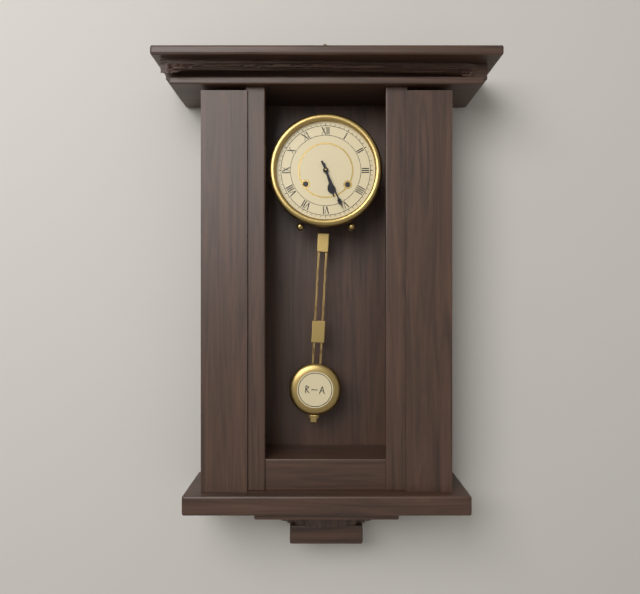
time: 5:26
